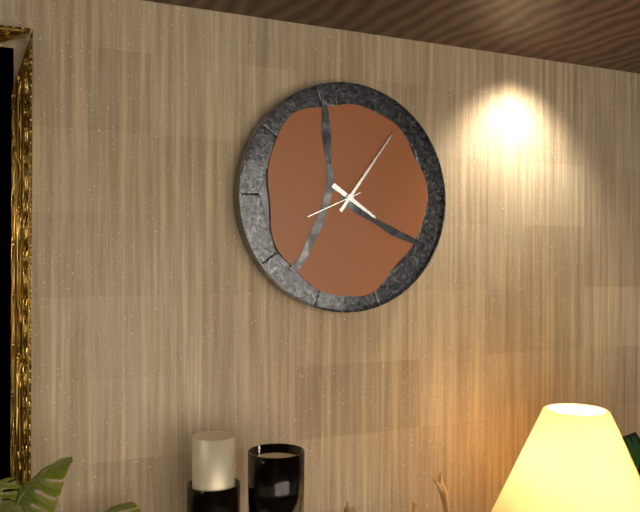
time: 4:06:41
